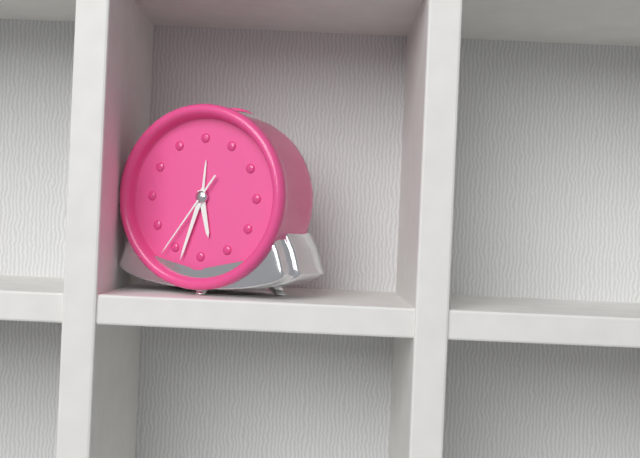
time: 5:33:36
